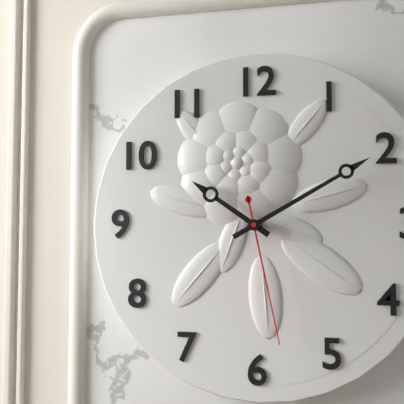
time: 10:10:28
